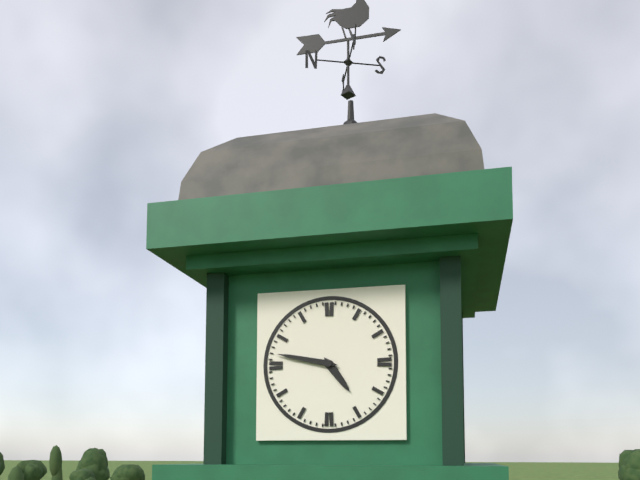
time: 4:47
